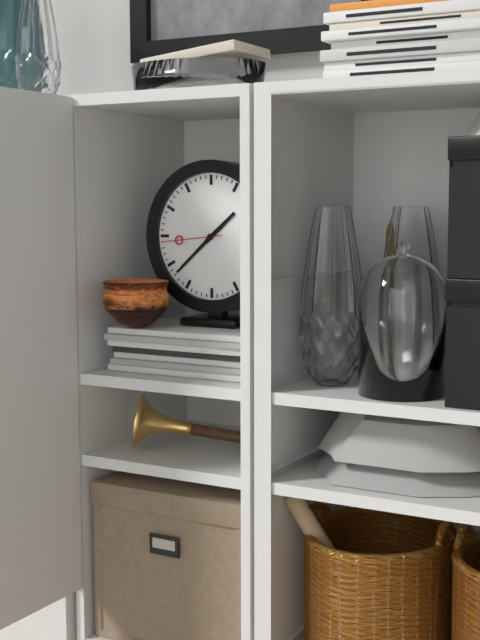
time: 1:38:44
